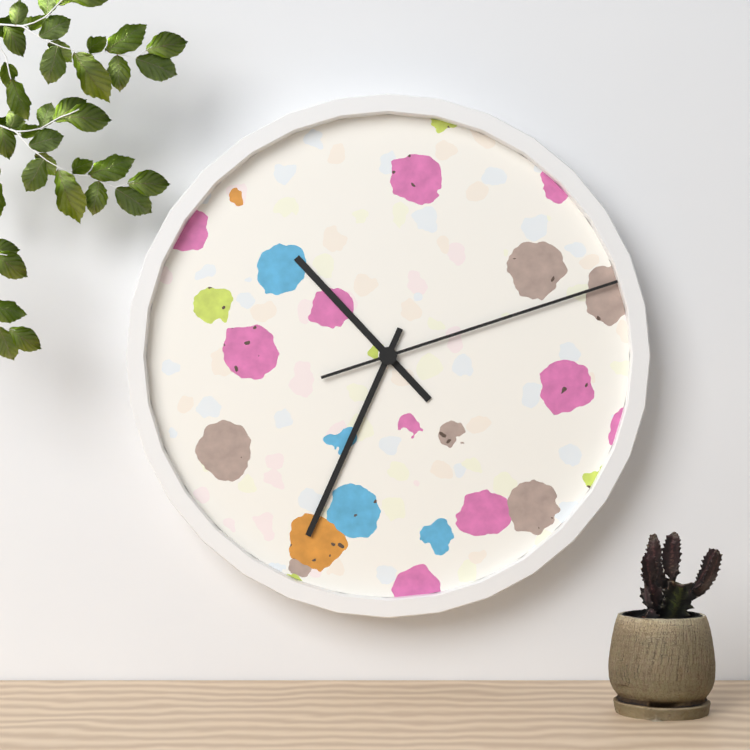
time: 10:34:12
